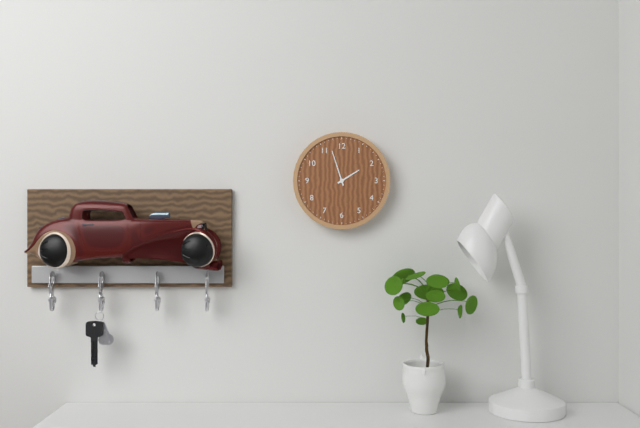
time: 1:57
